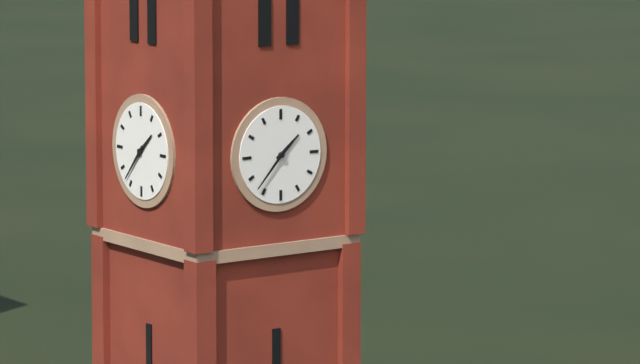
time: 1:37
